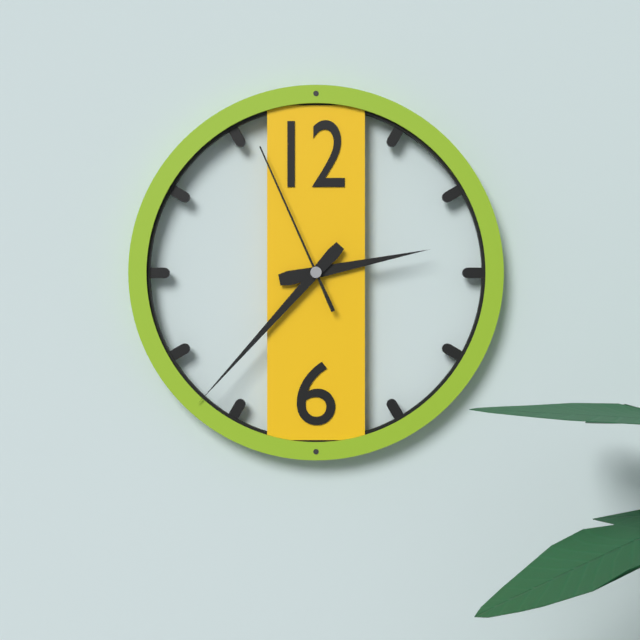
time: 2:37:56
